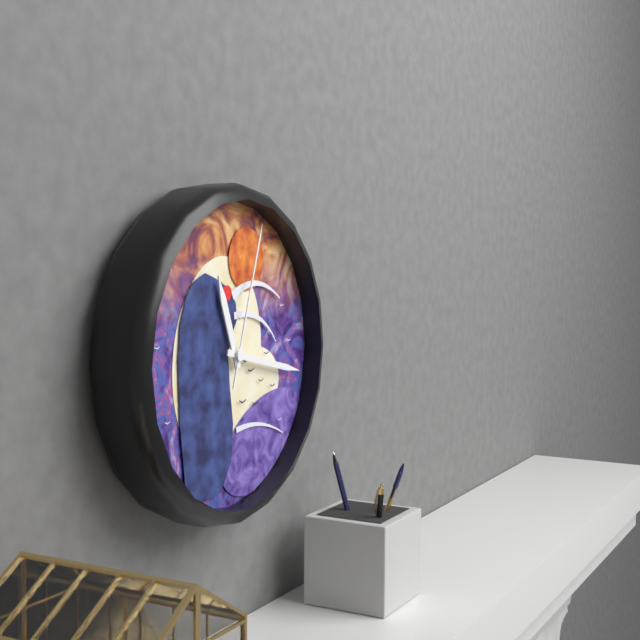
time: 11:17:03
